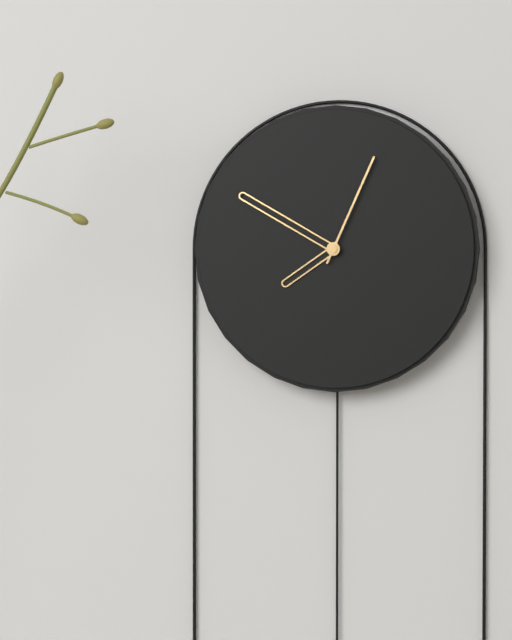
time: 7:50:04
